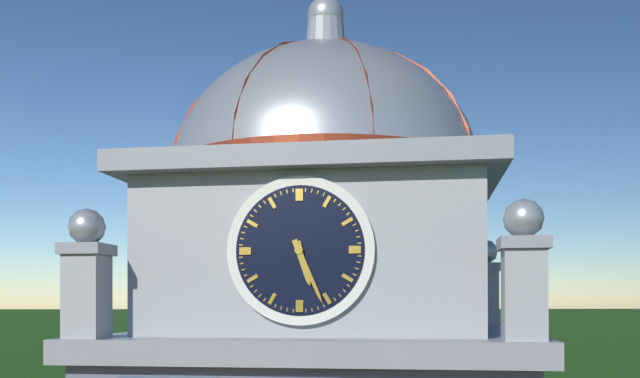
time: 5:26
